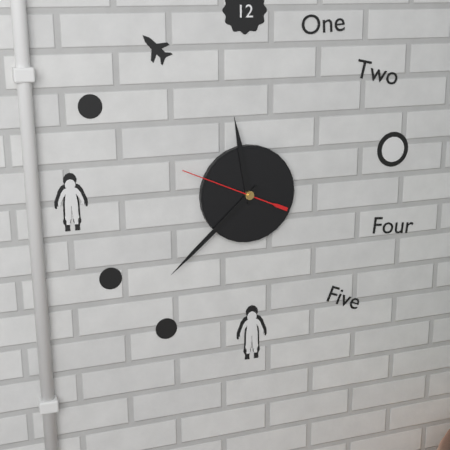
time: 11:38:49
